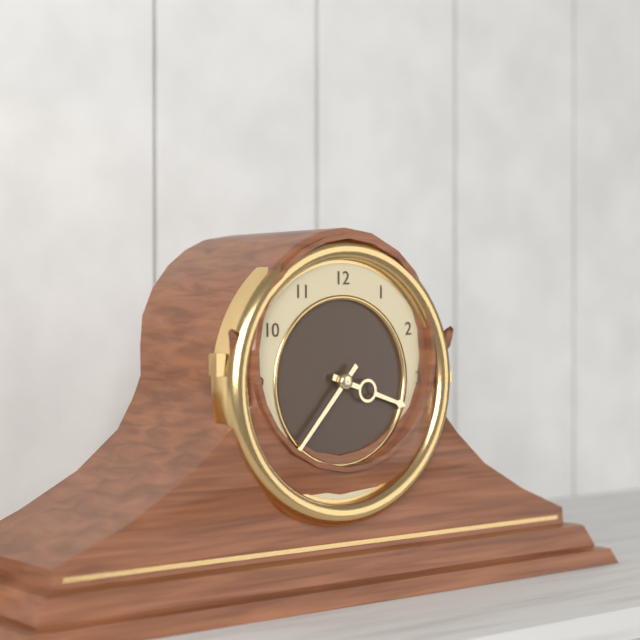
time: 3:37
